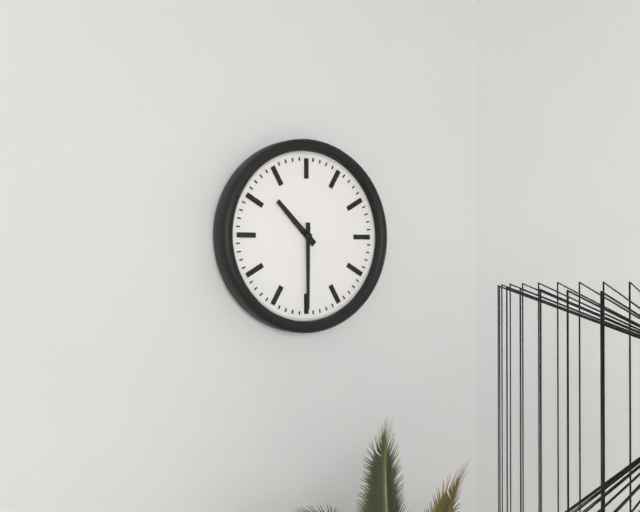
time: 10:30
